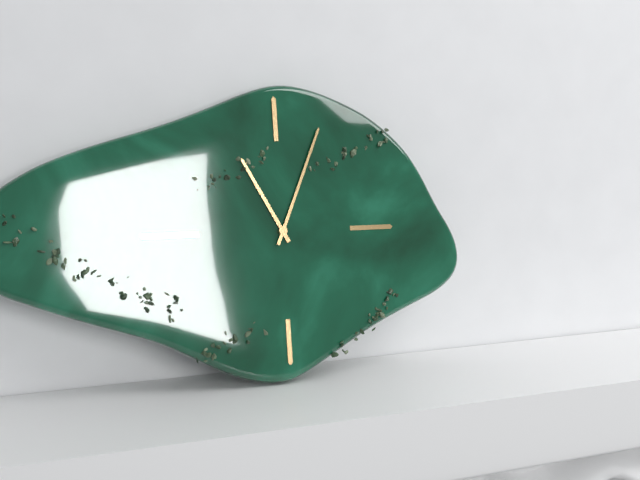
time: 11:04
